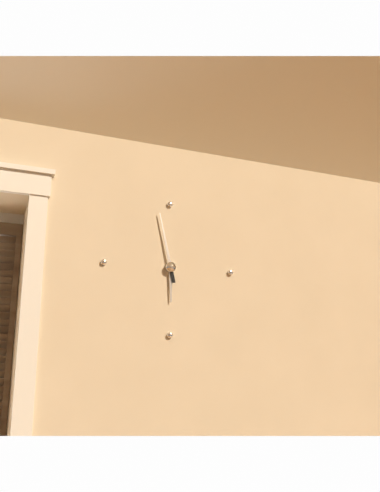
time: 5:58
